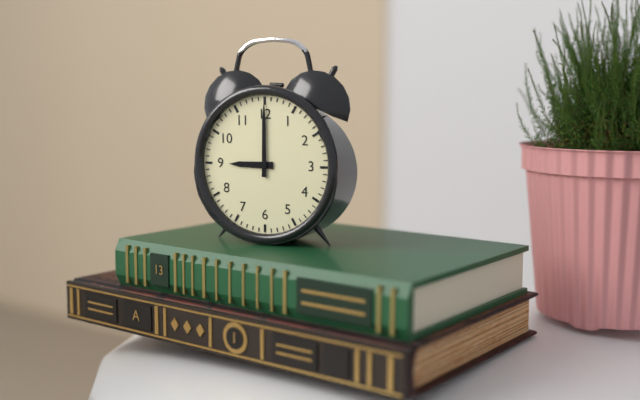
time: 9:00
